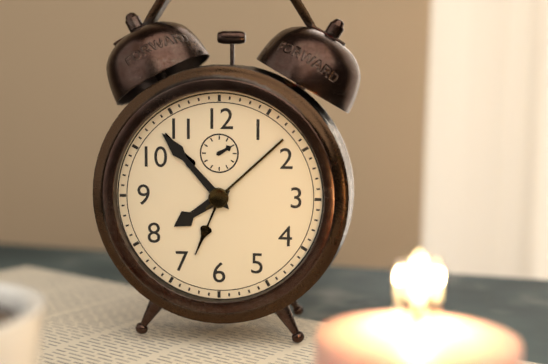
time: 7:53
